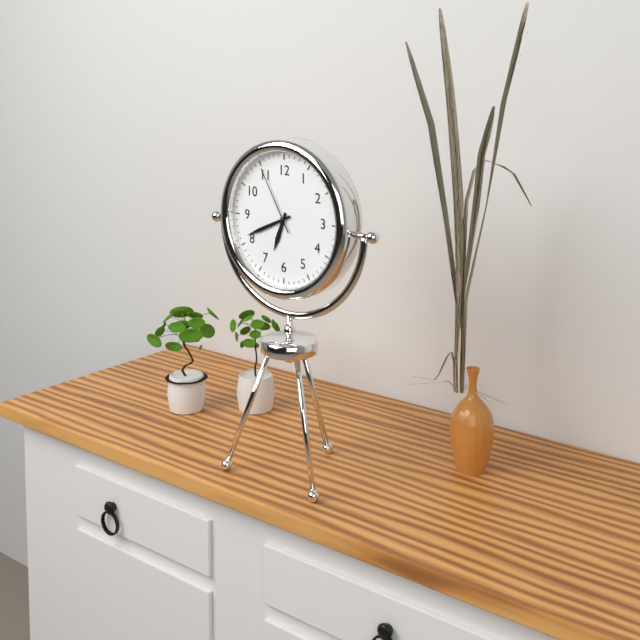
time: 6:41:55
